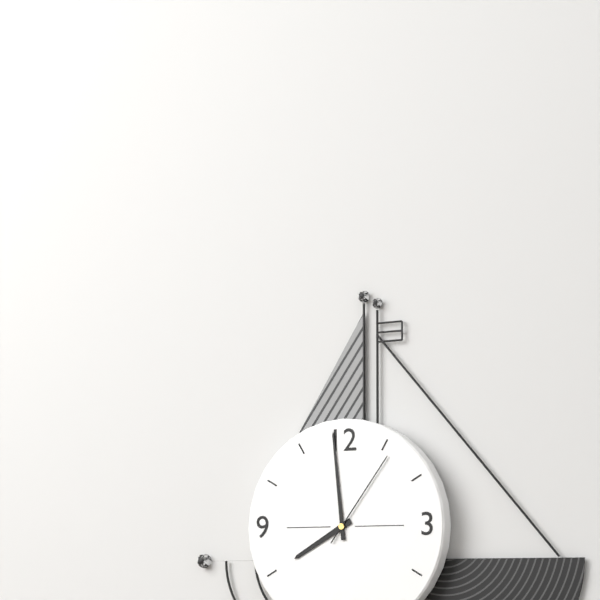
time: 7:59:06
